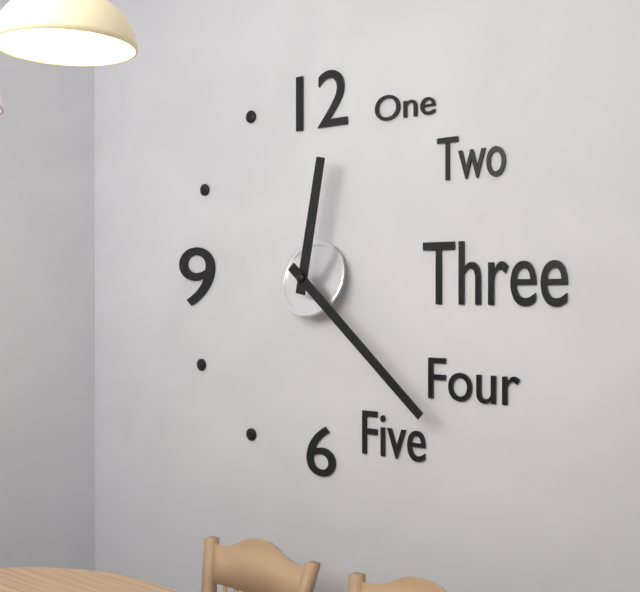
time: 12:22
